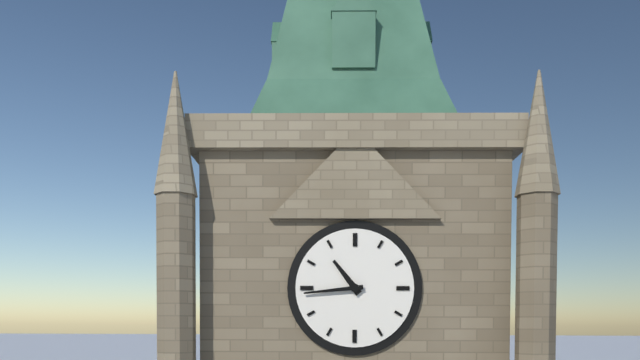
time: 10:44
